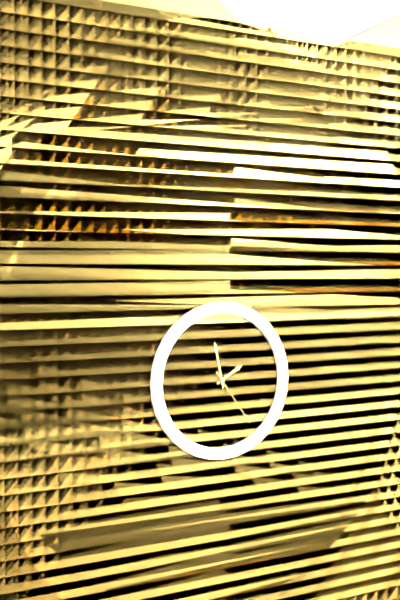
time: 1:58:24
